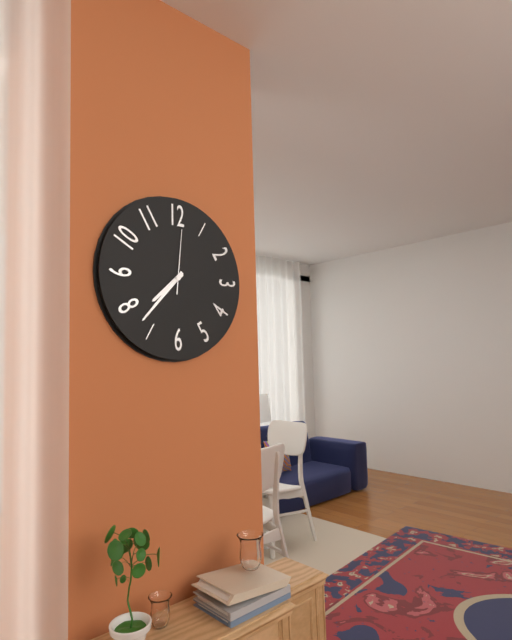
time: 7:37:01
